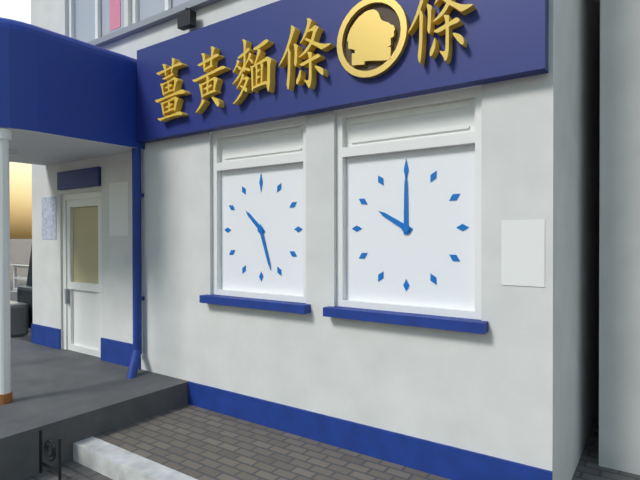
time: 10:27
